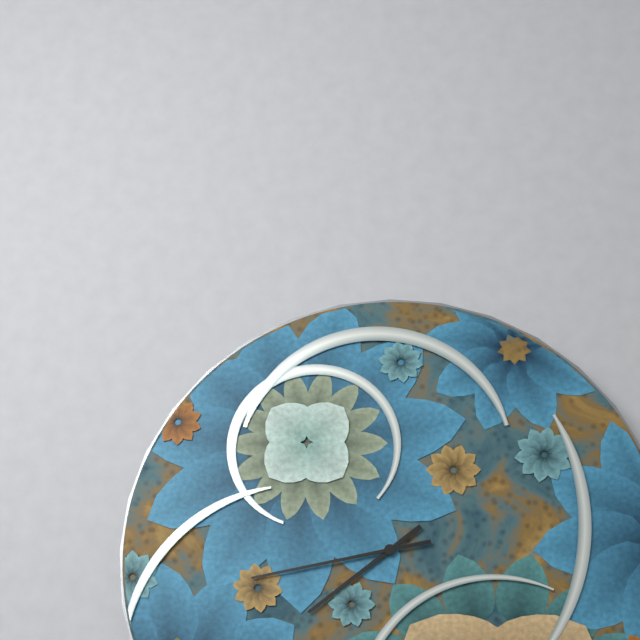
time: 7:43
